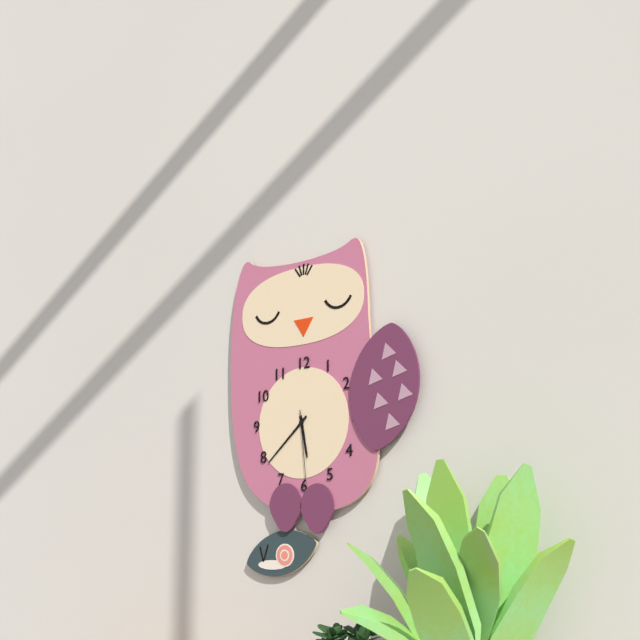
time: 5:38:29
